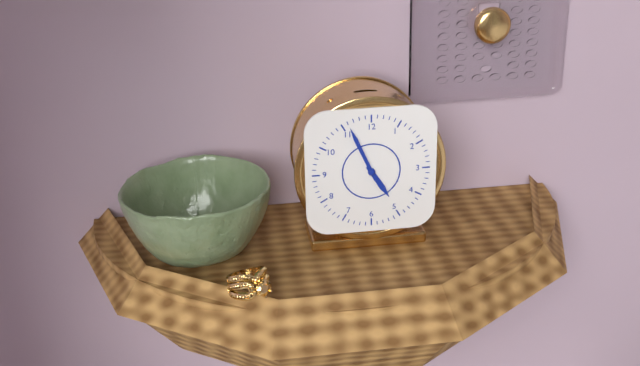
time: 4:56
